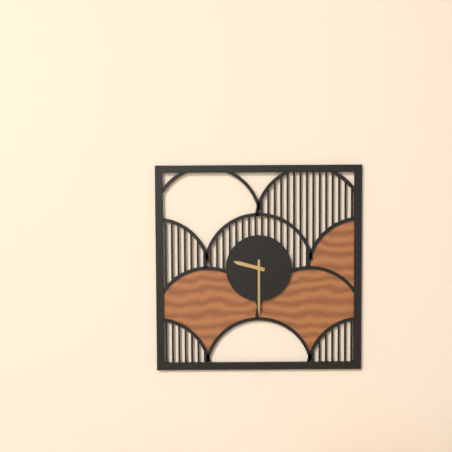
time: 9:30
